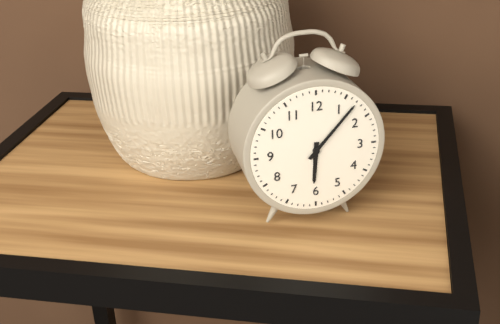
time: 6:07
